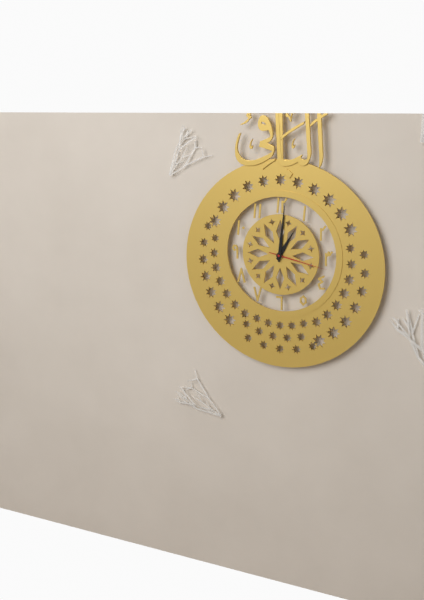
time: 1:01:17
